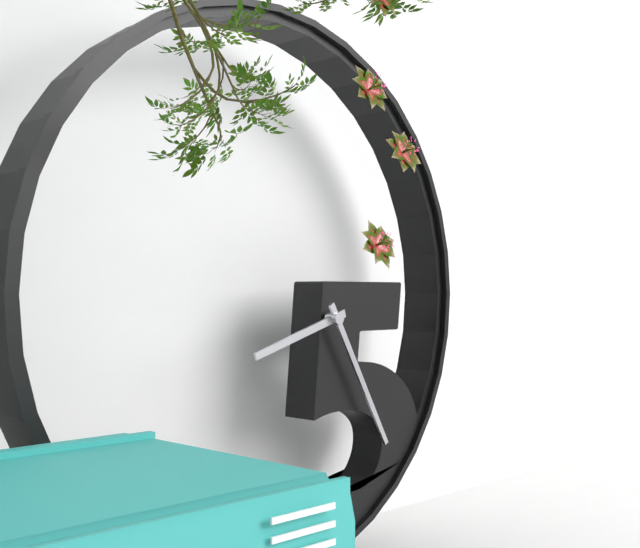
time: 8:25
